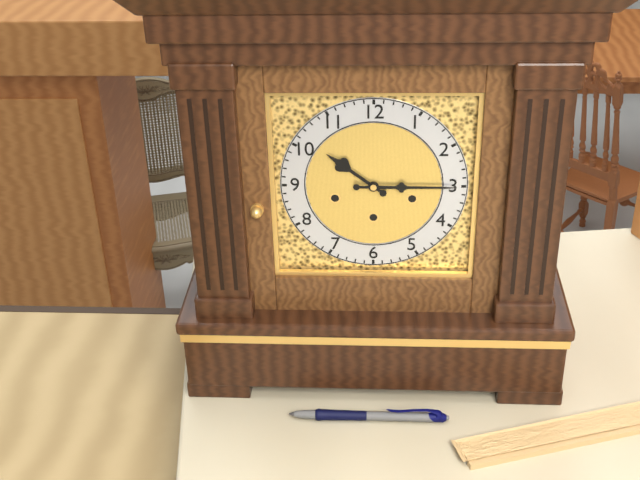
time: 10:15
